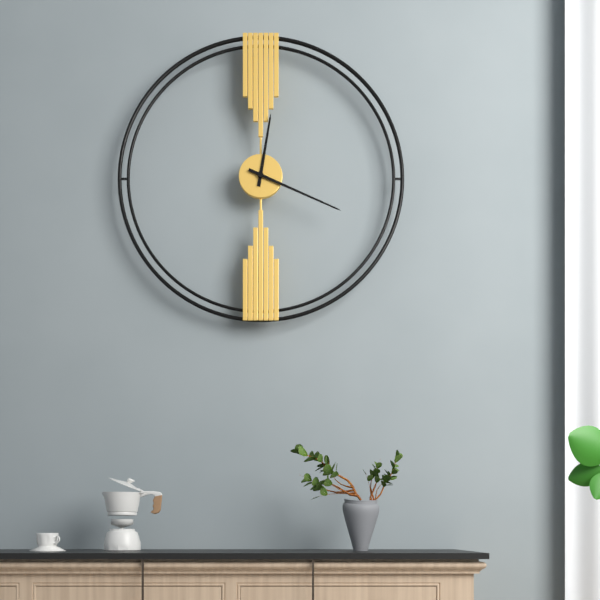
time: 12:19
